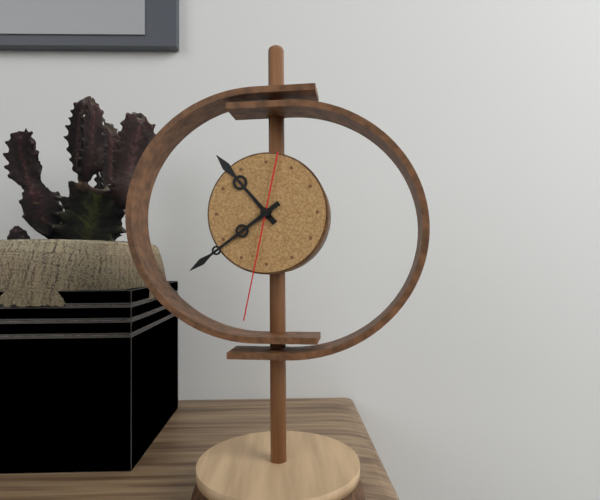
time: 10:39:32
